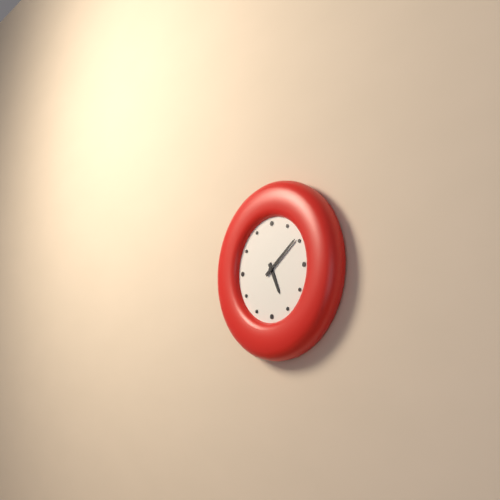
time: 5:09
